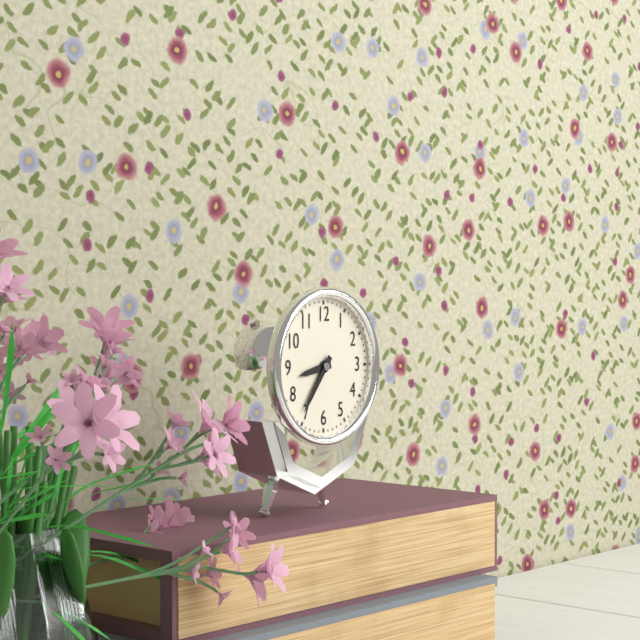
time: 8:36
